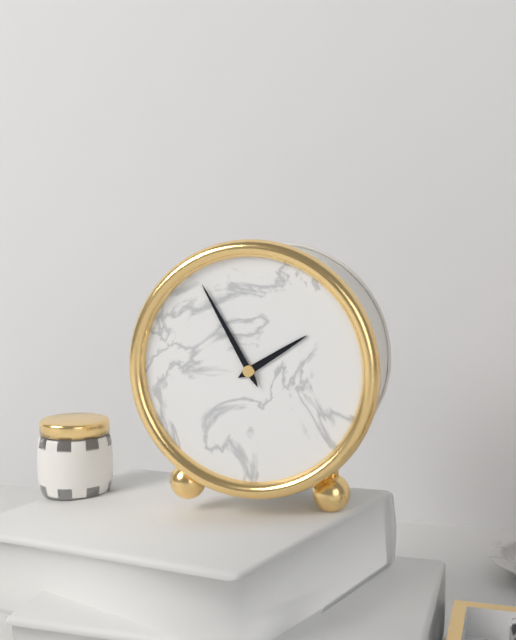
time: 1:55
